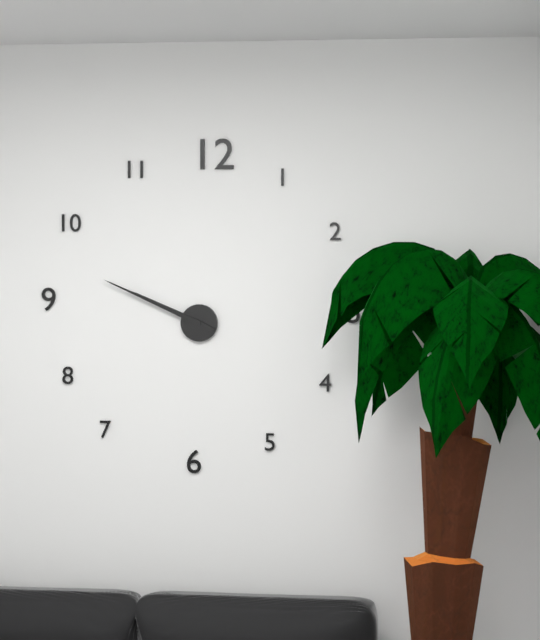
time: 9:49
